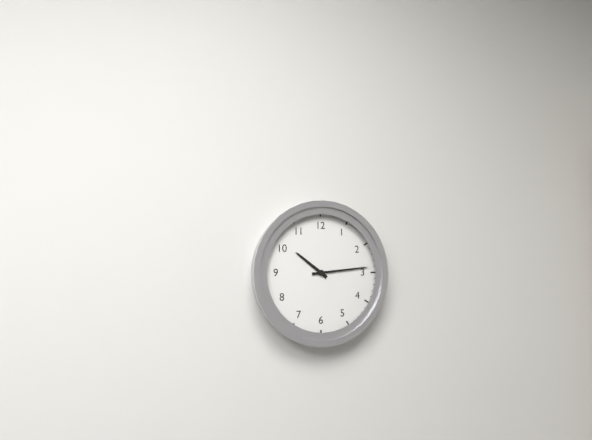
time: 10:14
